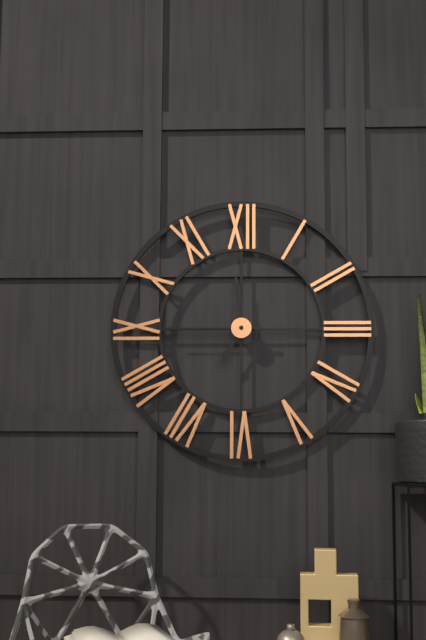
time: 6:59:45
